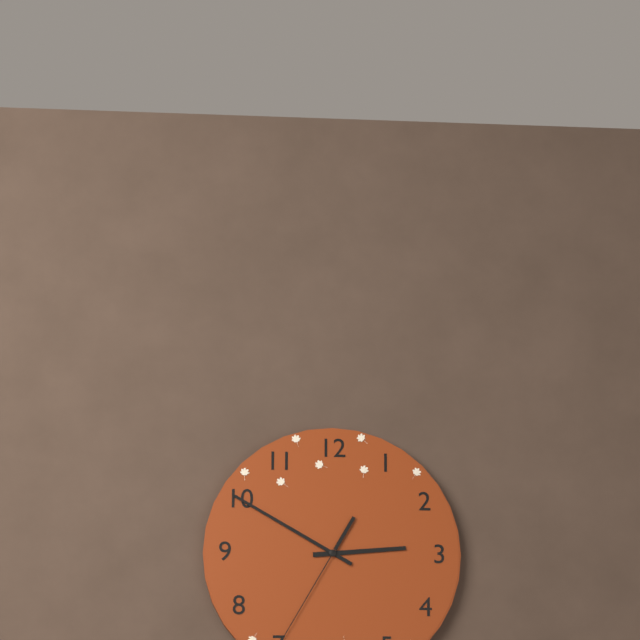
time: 2:50
